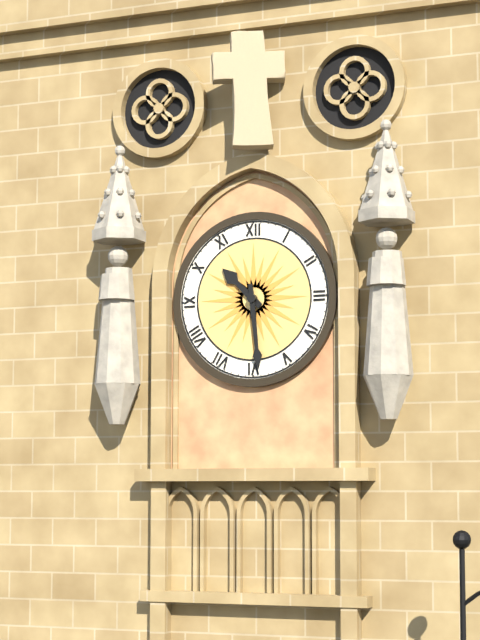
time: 10:29
